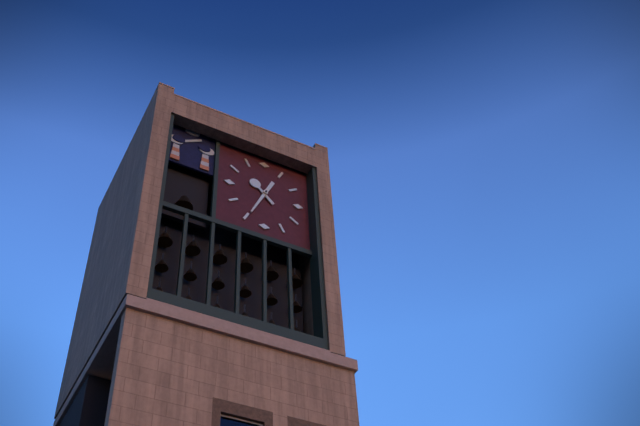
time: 10:34
